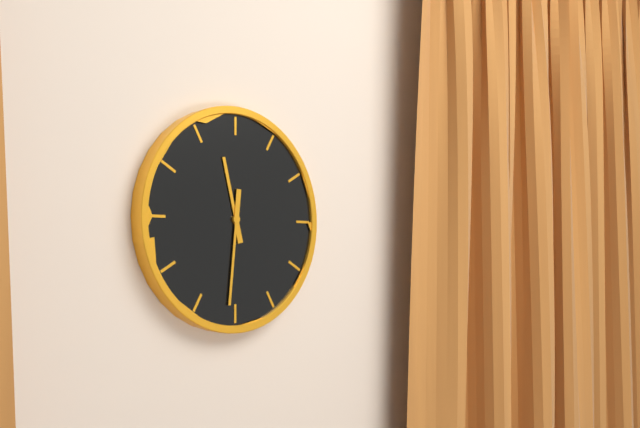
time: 11:31
